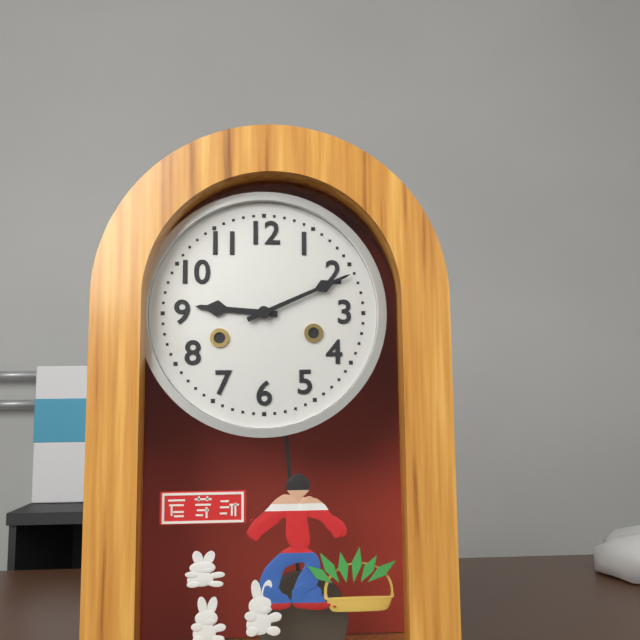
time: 9:11
